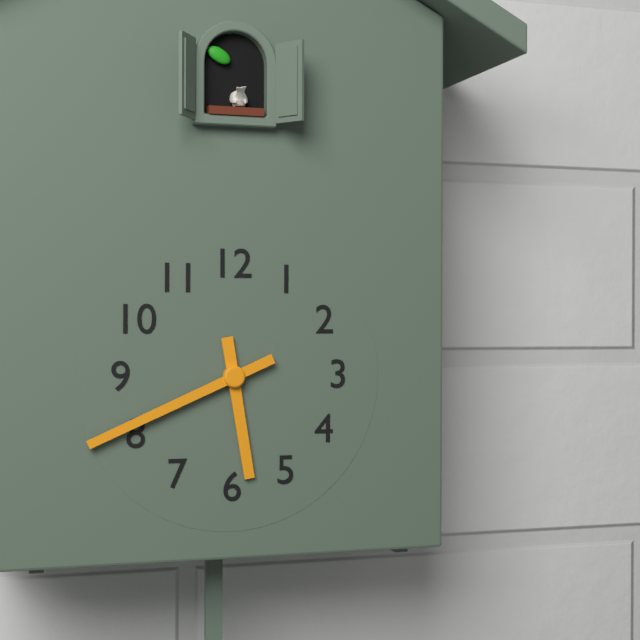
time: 5:41
